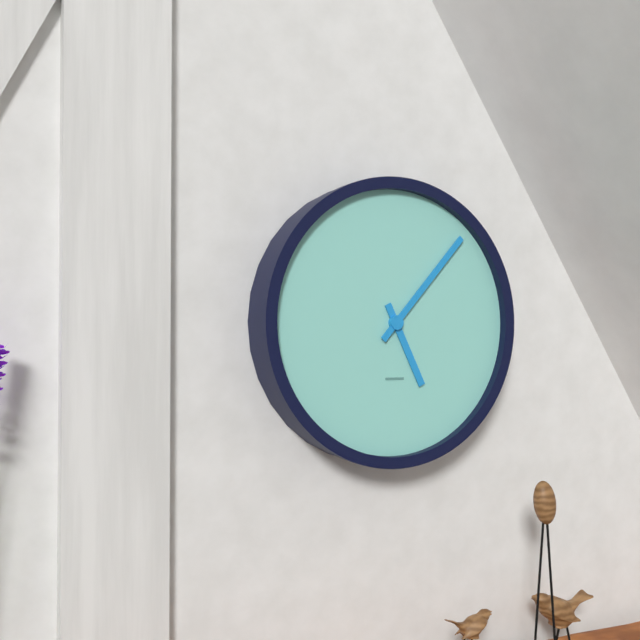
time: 5:07
